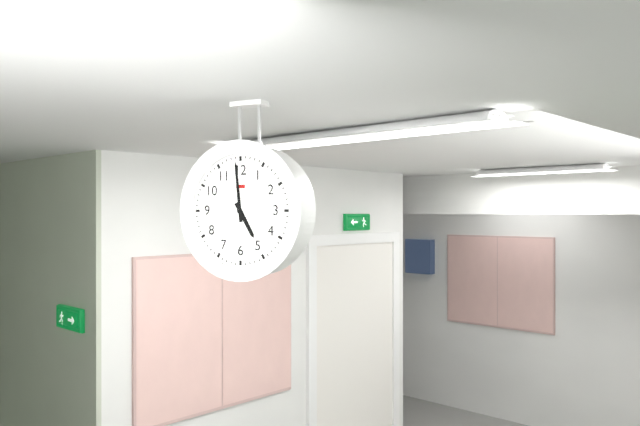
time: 4:59
